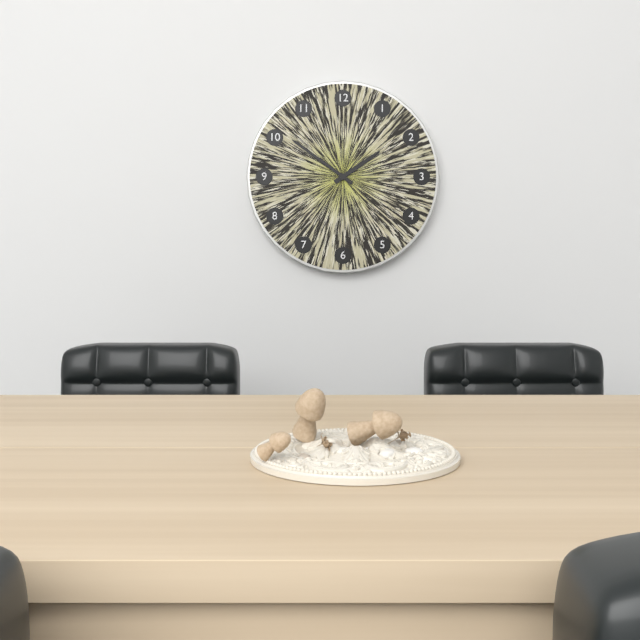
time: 1:51
